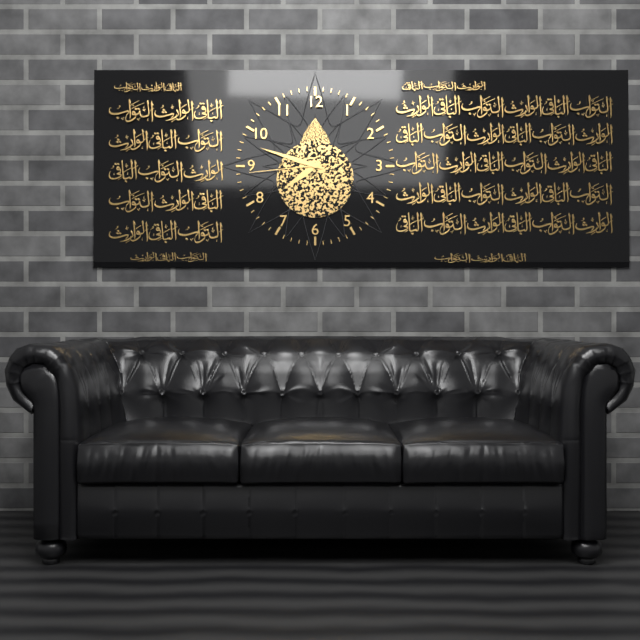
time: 7:48:44
